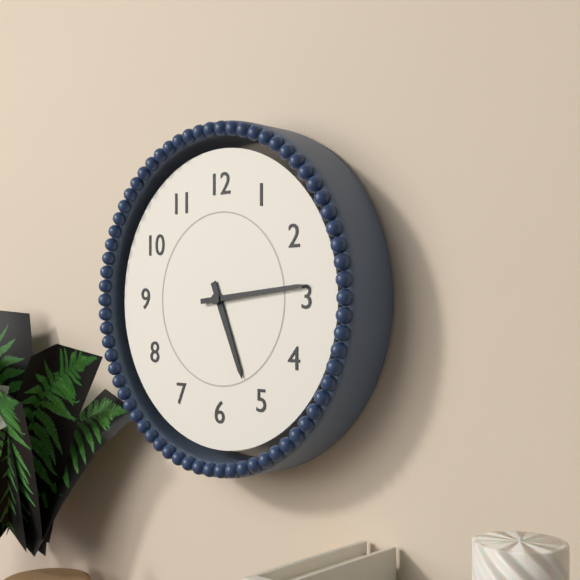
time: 5:14
